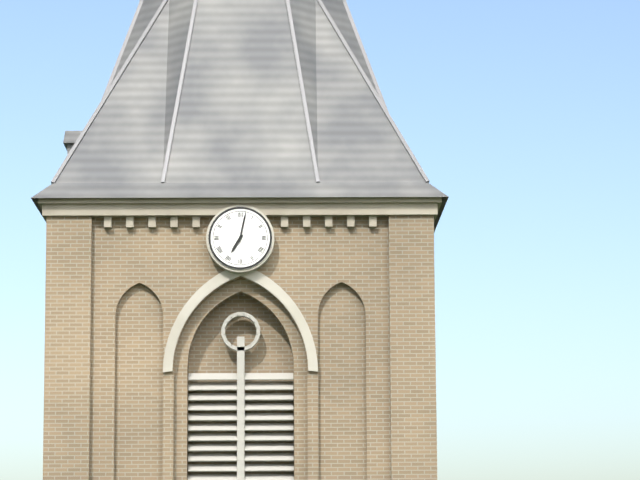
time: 7:02
